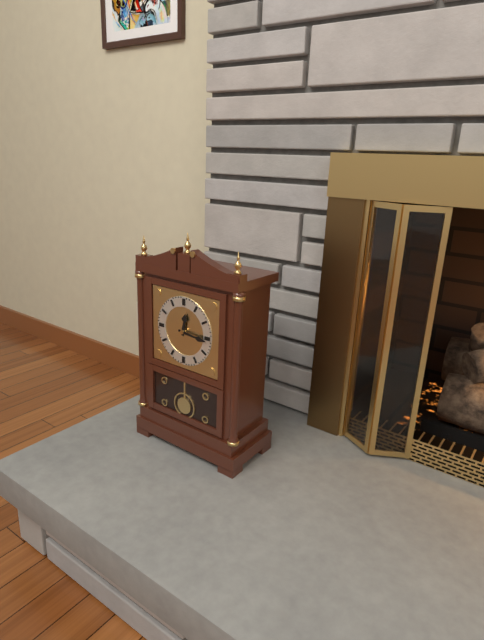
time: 12:16
